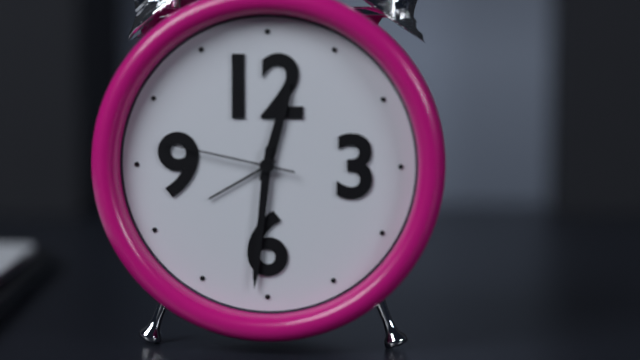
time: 12:31:47
